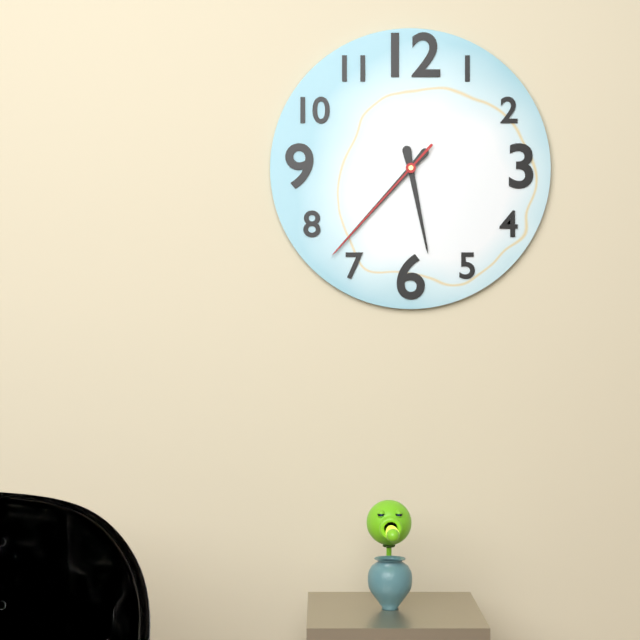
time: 5:37:37
